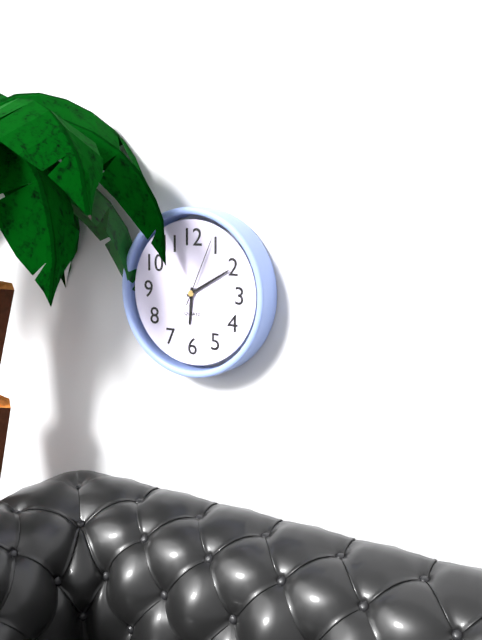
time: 6:10:04
